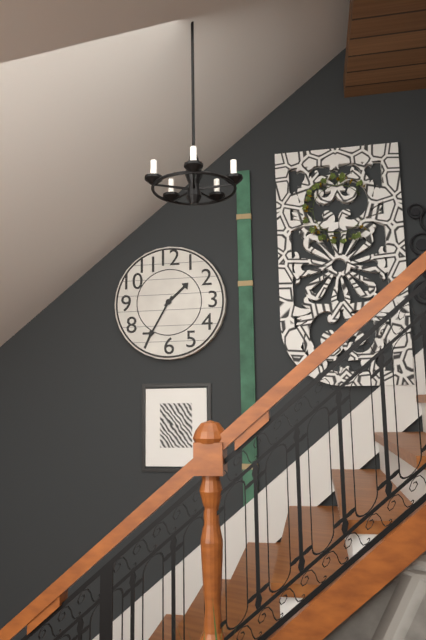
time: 1:35
